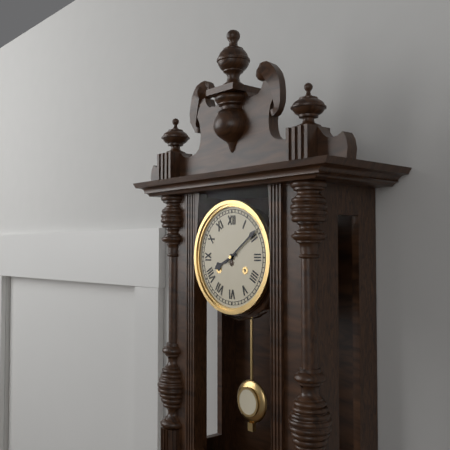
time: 8:09
